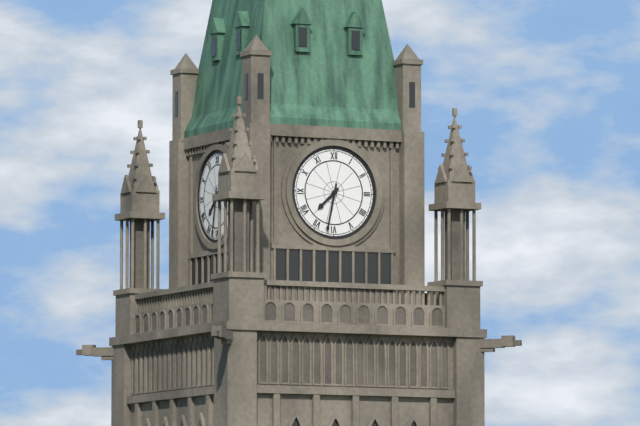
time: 7:32
